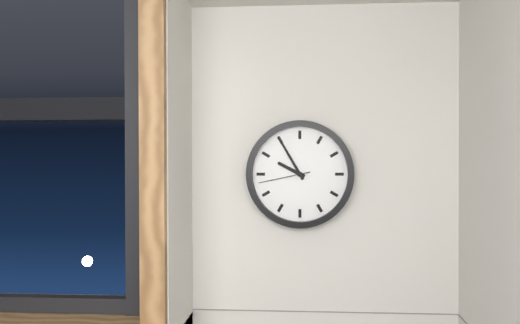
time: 9:55:43
